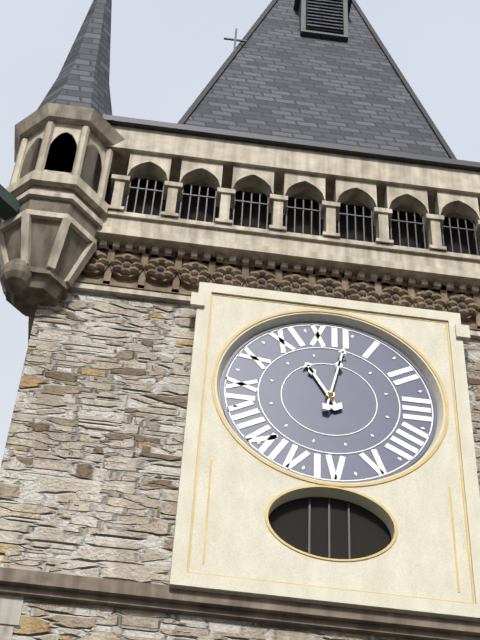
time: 11:02
